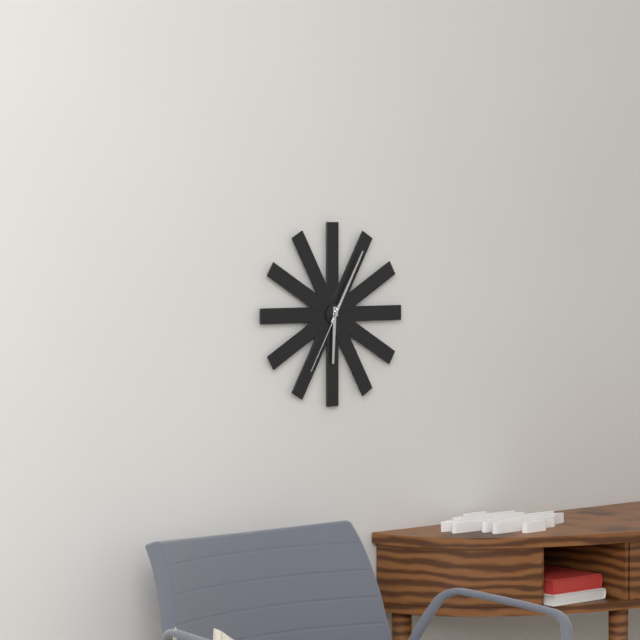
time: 6:05:35
